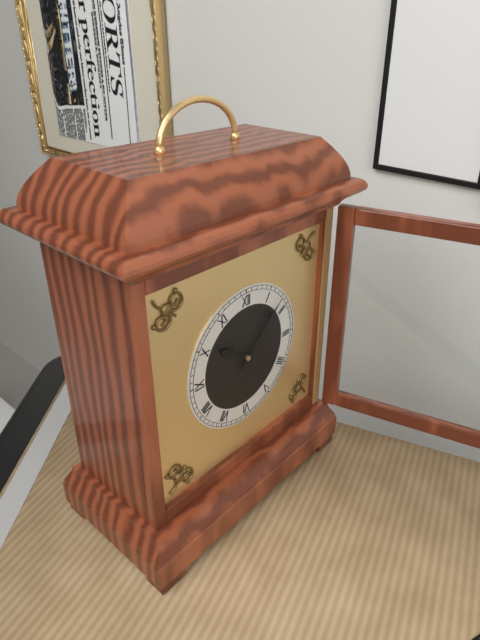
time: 10:08
